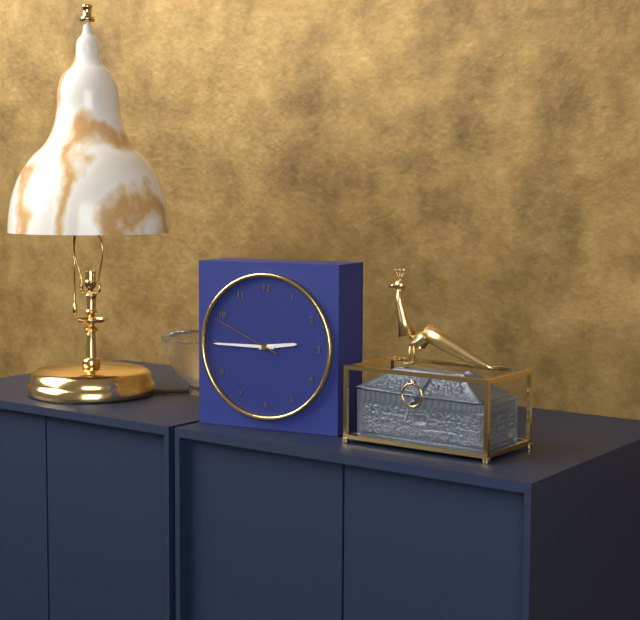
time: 2:45:49
